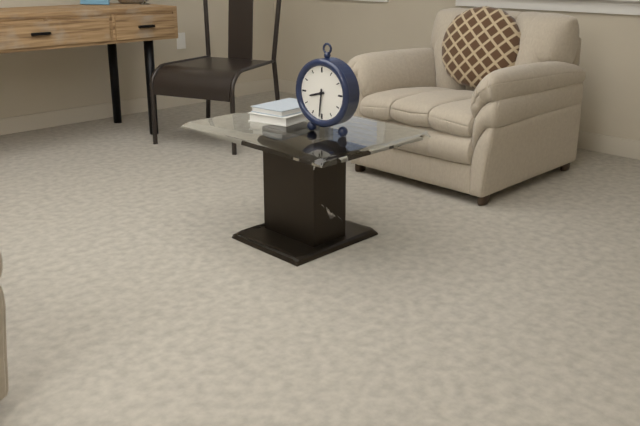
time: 8:31
